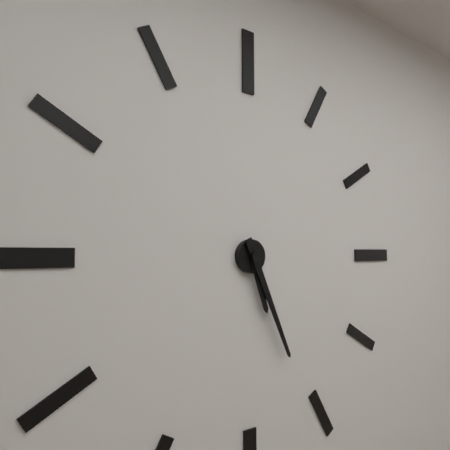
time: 5:26
